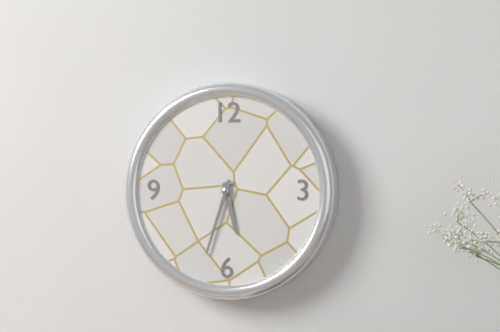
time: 5:33
